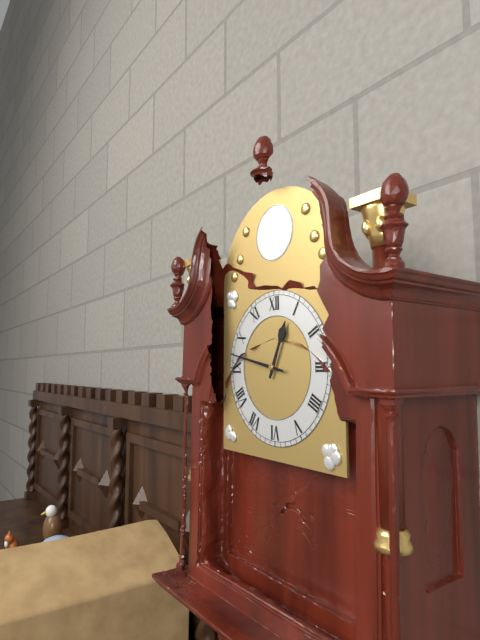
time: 12:47
